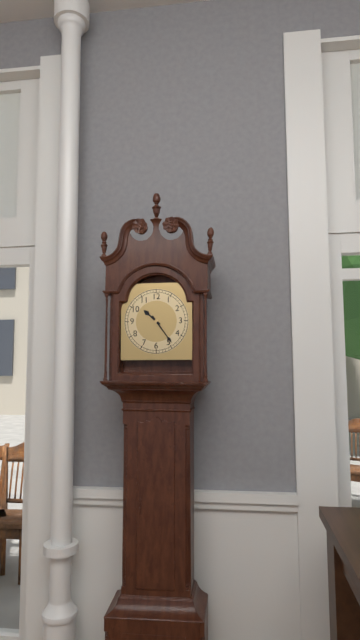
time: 10:24
